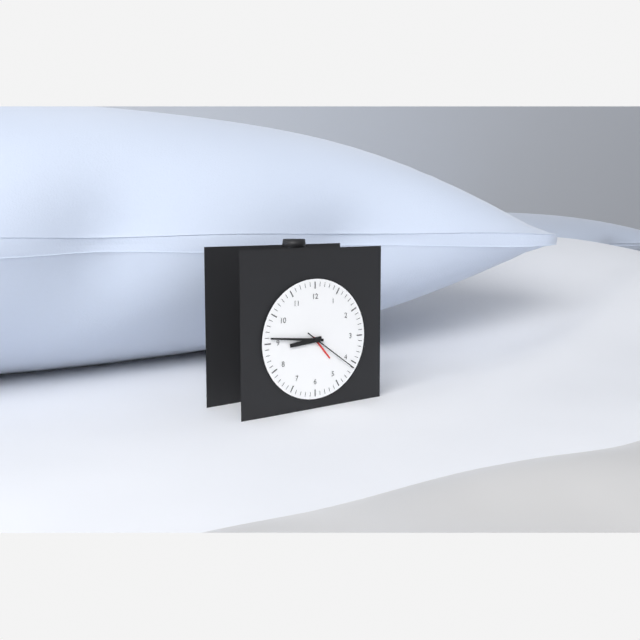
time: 8:46:21
